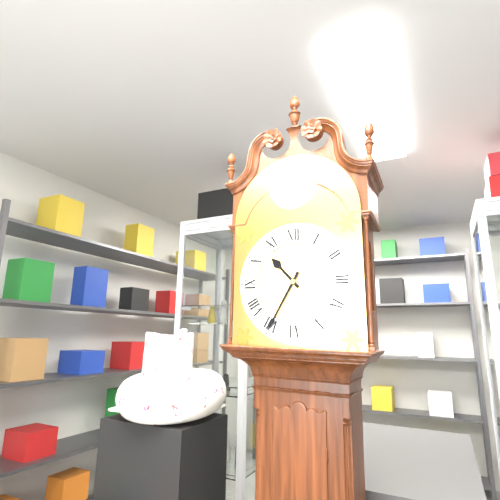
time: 10:35
